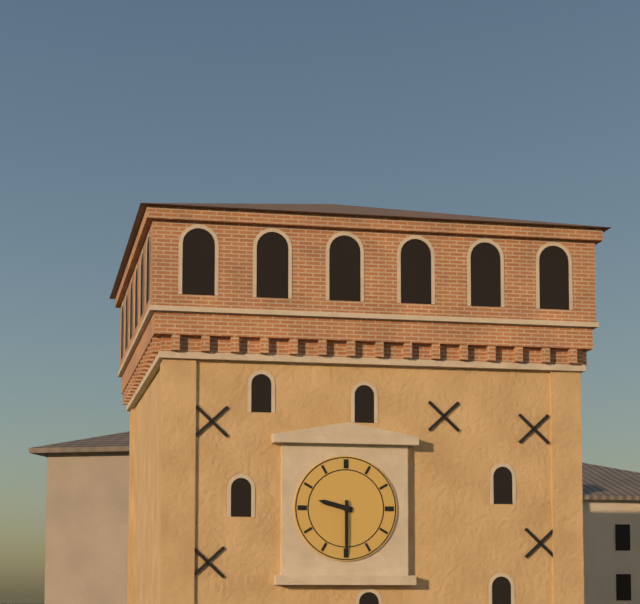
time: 9:30
